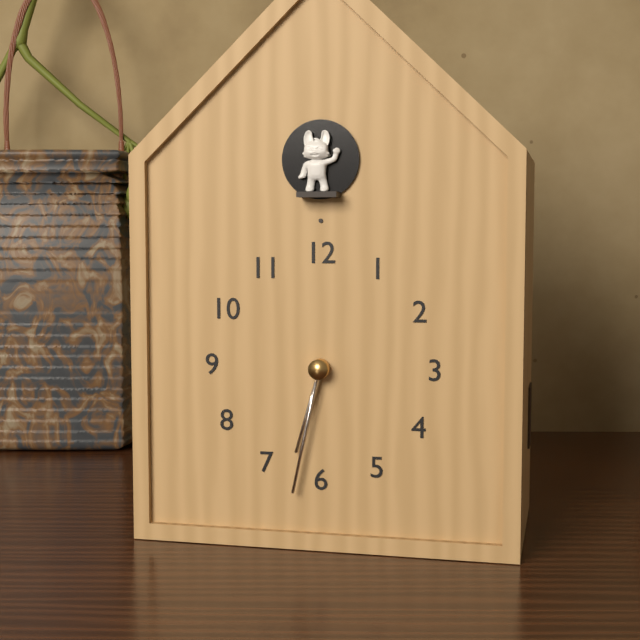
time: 6:32
